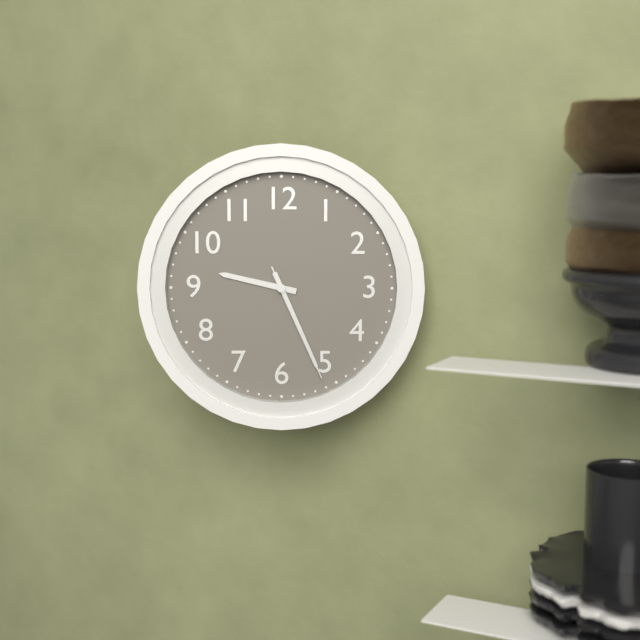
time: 9:26:26
